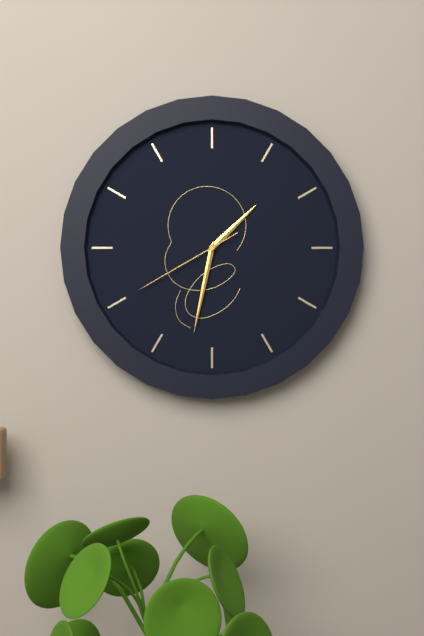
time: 1:32:40
